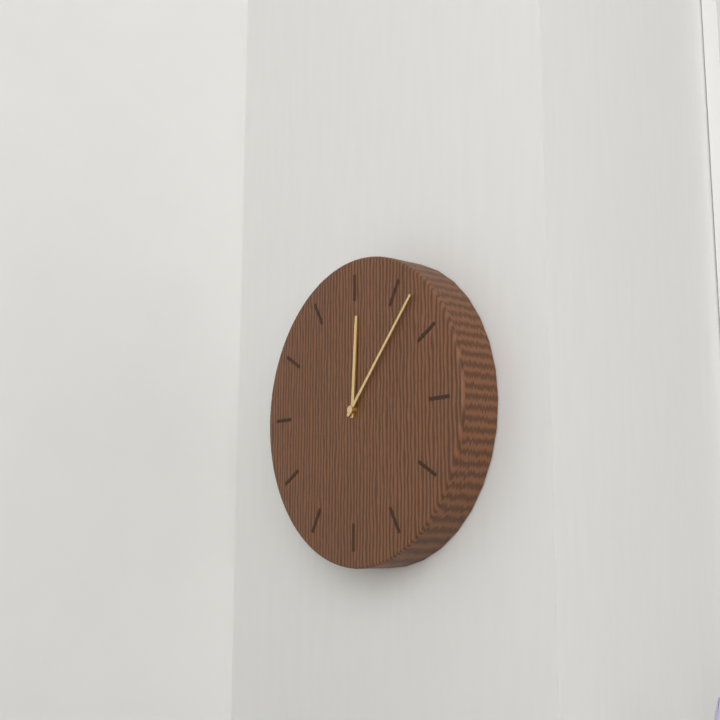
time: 12:07
